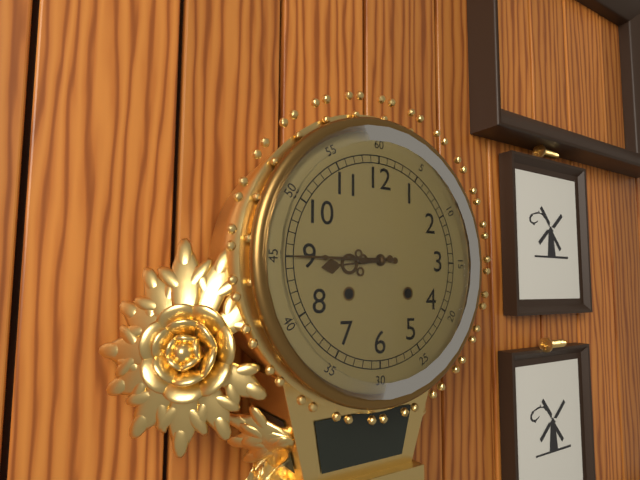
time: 8:45
